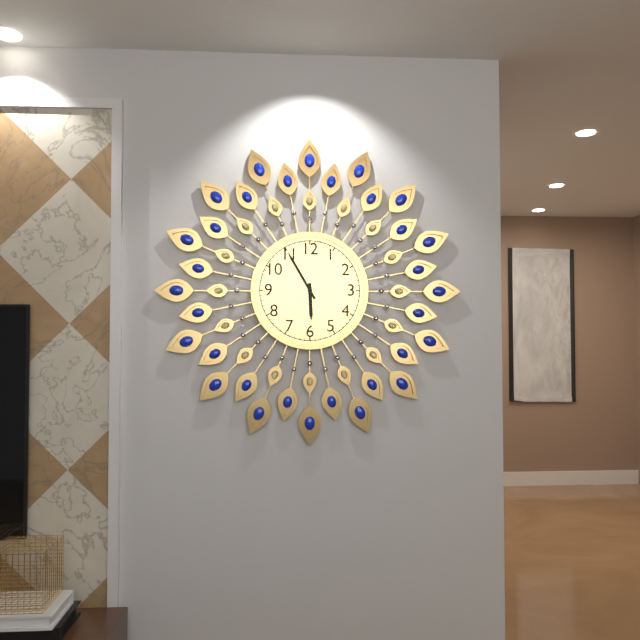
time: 5:55
